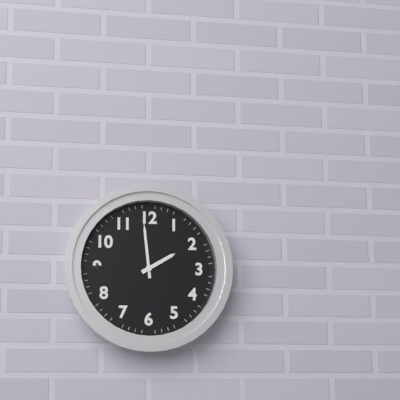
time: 1:59
